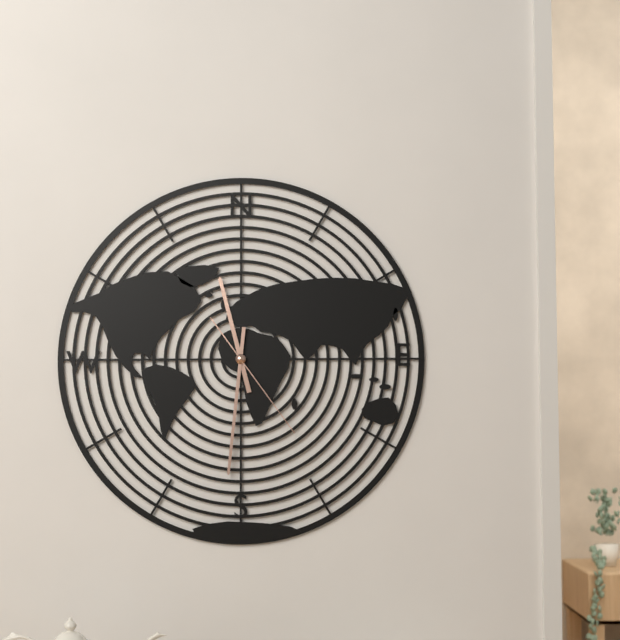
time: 11:31:24
